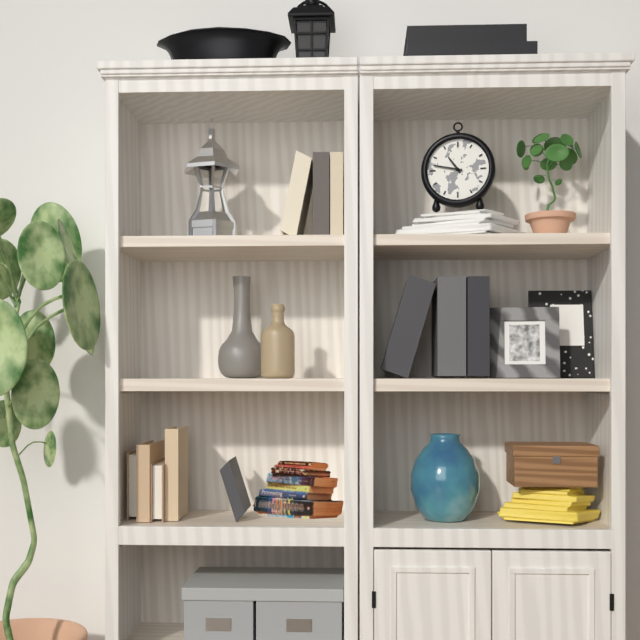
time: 10:47
